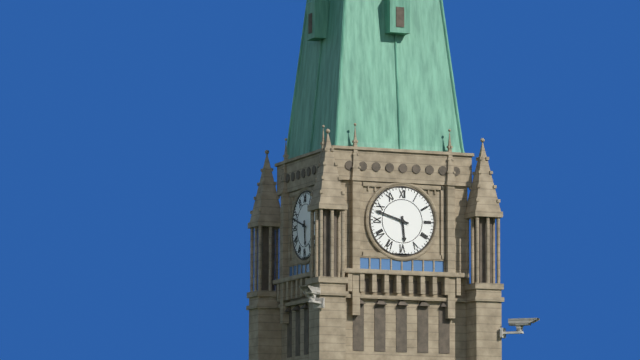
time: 5:48
